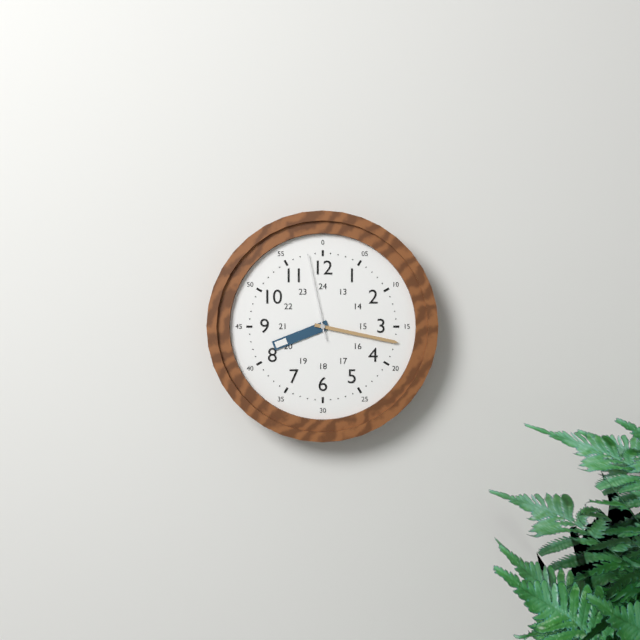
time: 8:17:58
